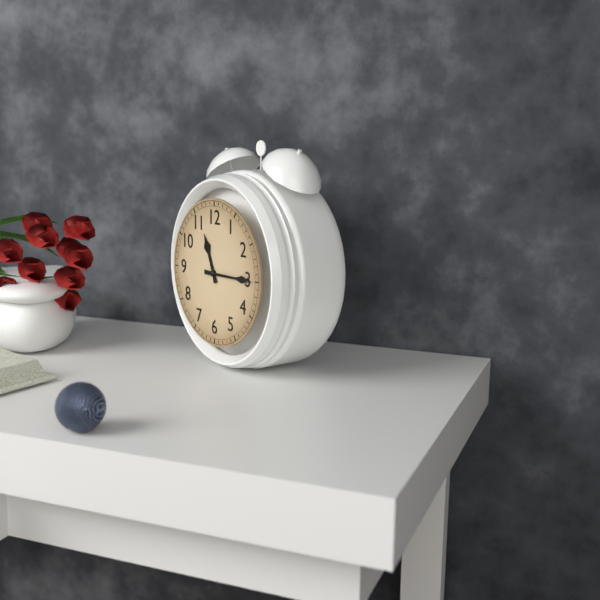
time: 11:15
